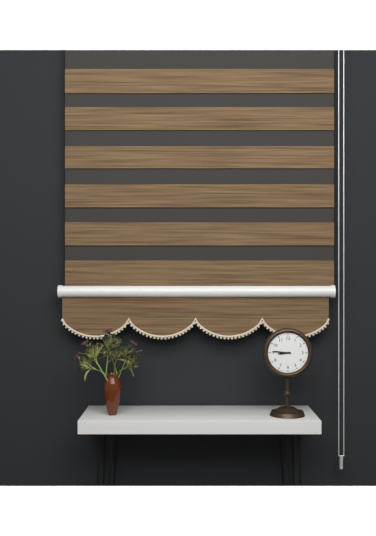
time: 8:46
